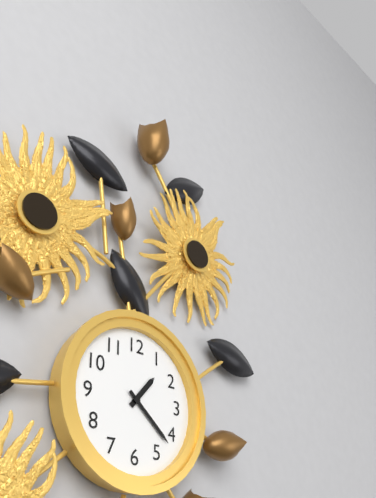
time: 1:22
